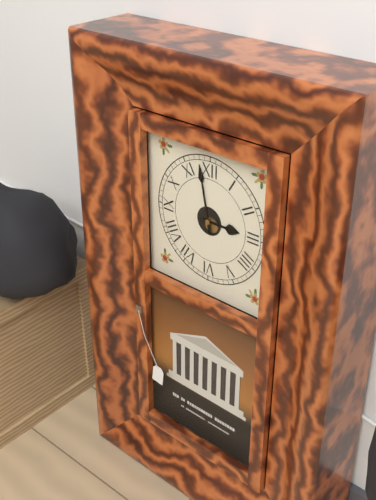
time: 2:58
